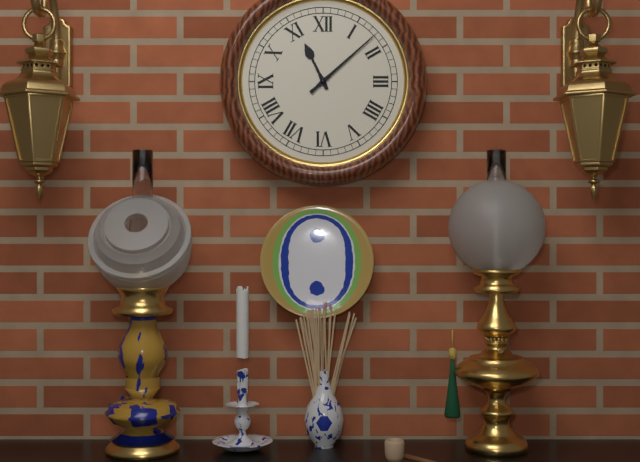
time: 11:08
